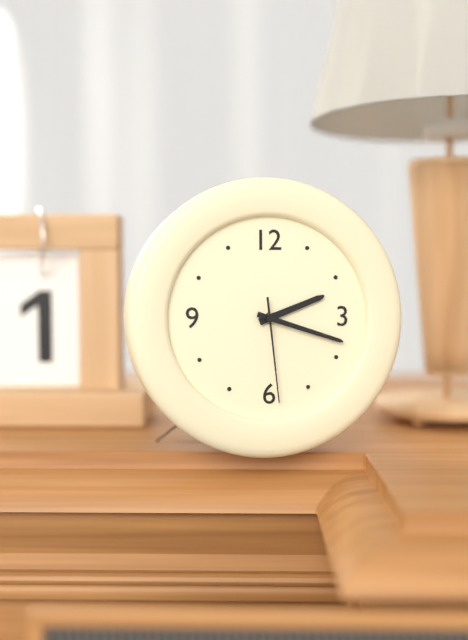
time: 2:18:29
